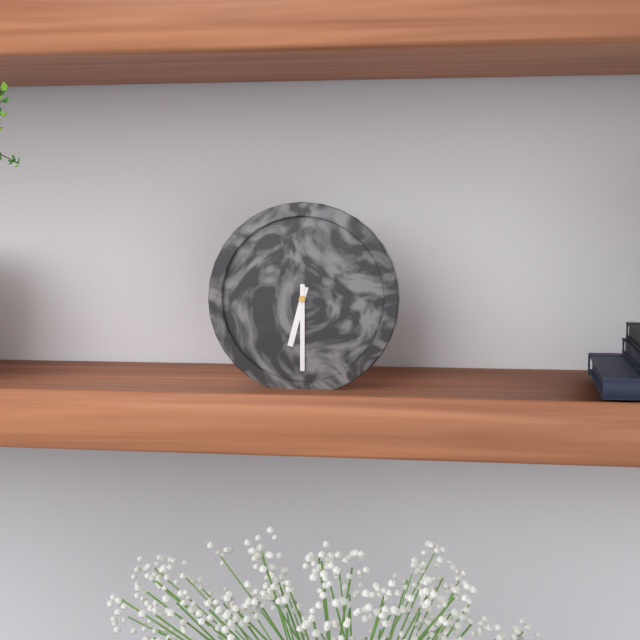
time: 6:30
